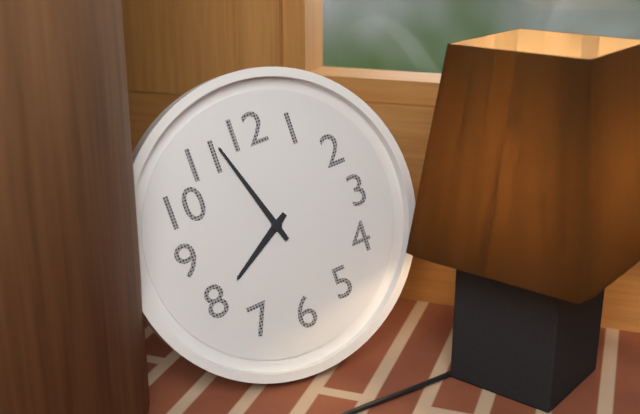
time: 7:57
